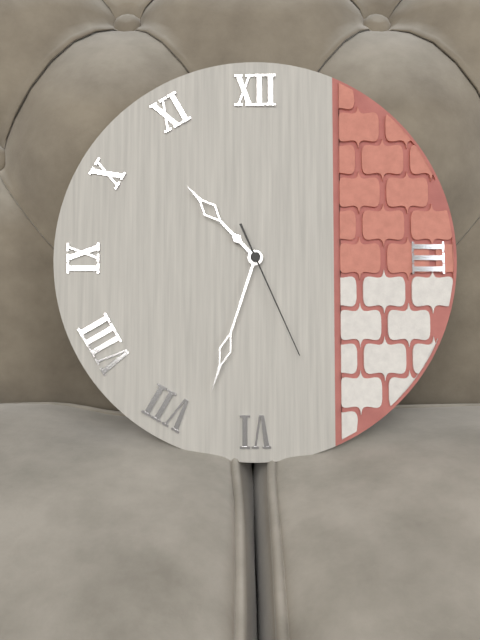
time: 10:33:26
